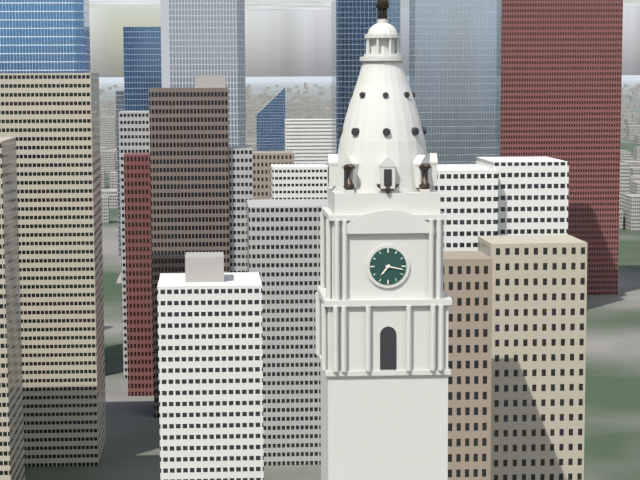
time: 7:17
